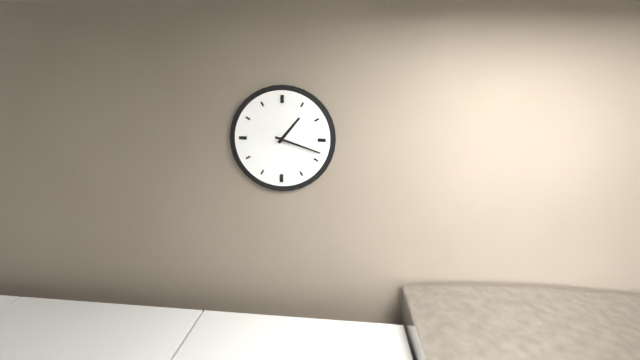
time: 1:18
